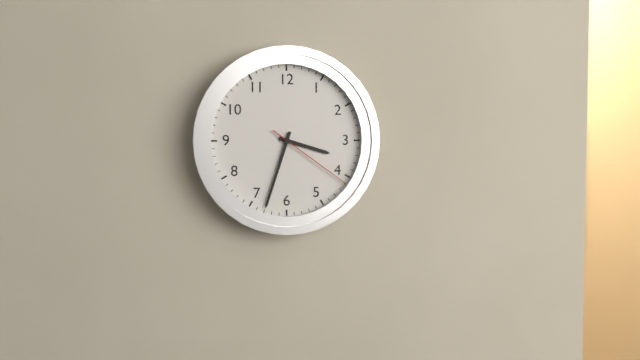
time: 3:33:21
